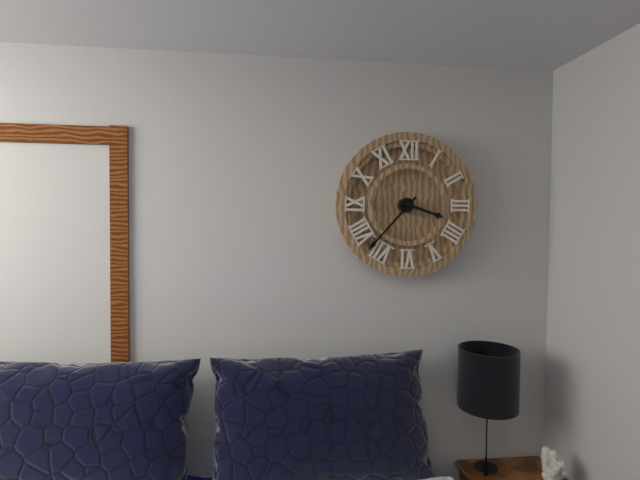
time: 3:37
